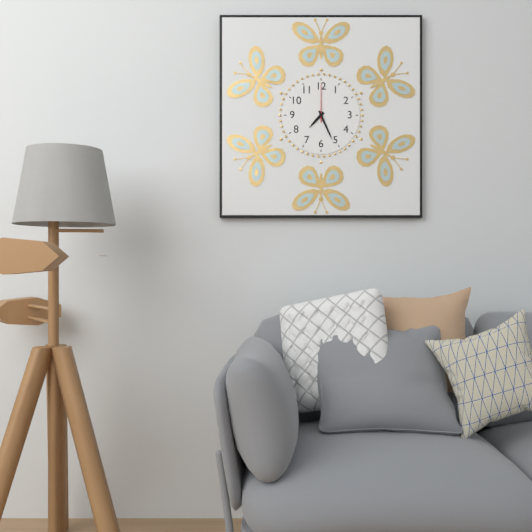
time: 7:26
